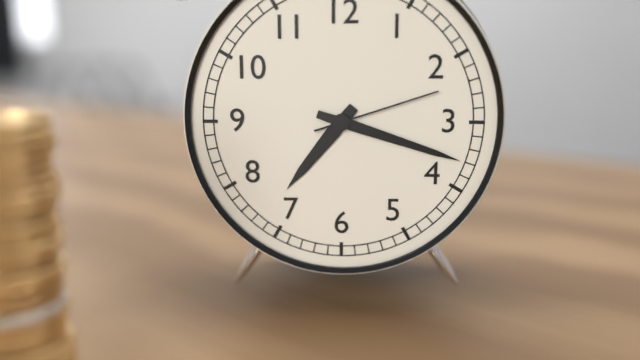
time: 7:18:12
